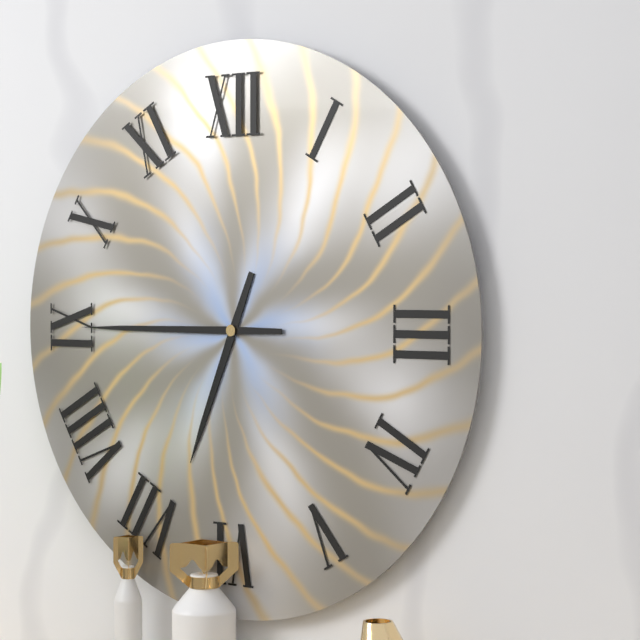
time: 6:45
